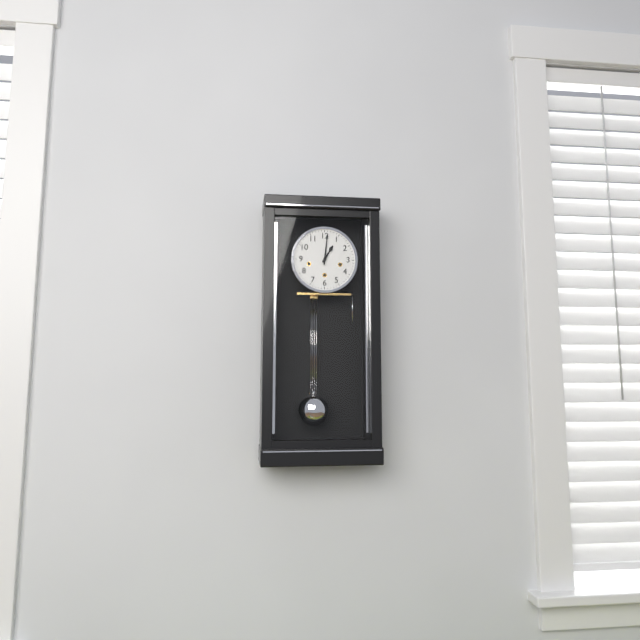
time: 1:01
